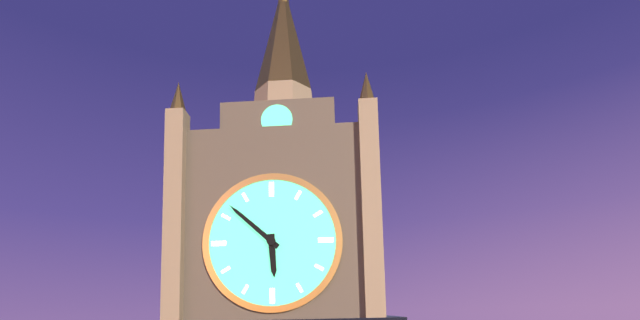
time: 5:52
